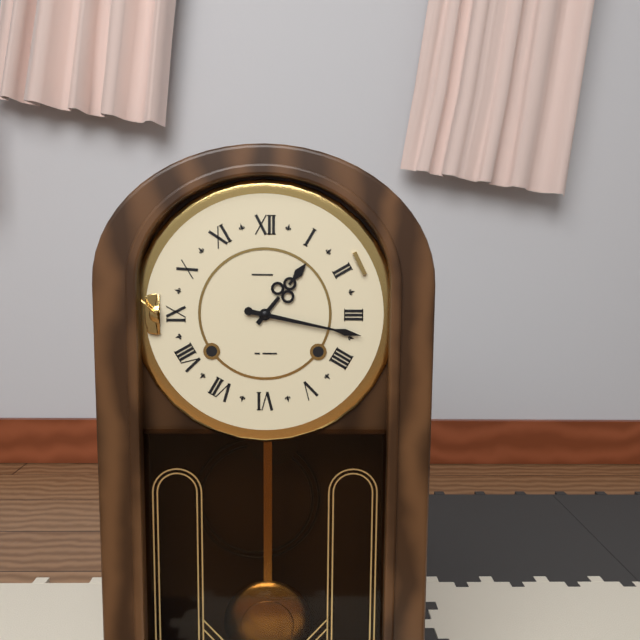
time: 1:17
